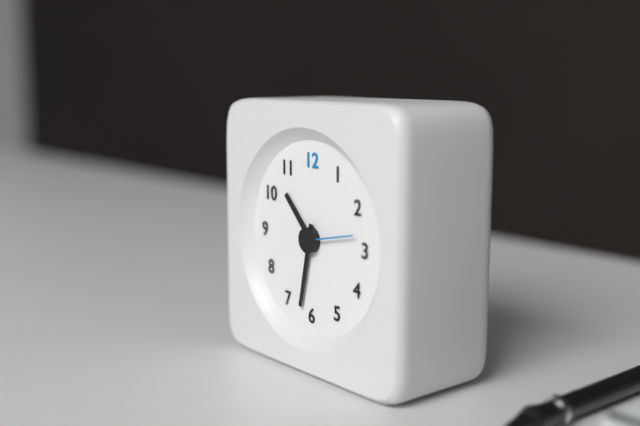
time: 10:32:13
